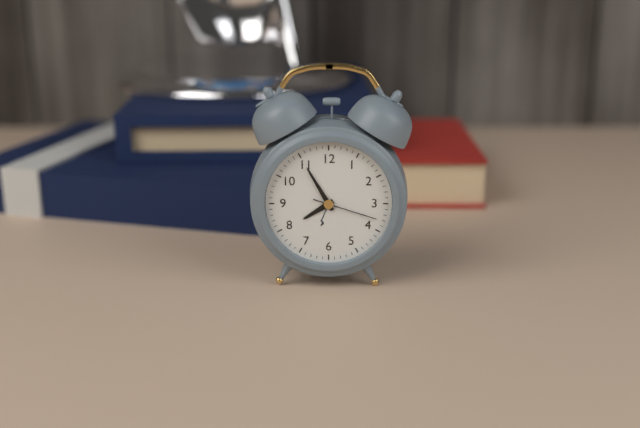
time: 7:55:18
